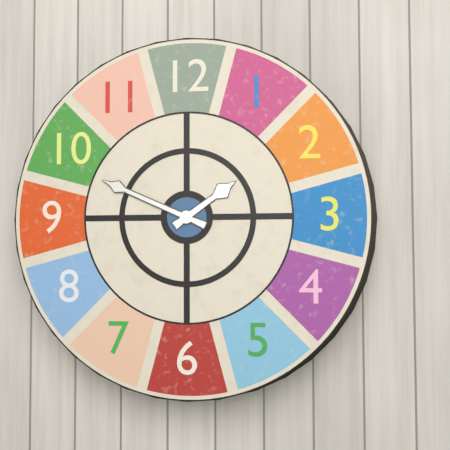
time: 1:49
